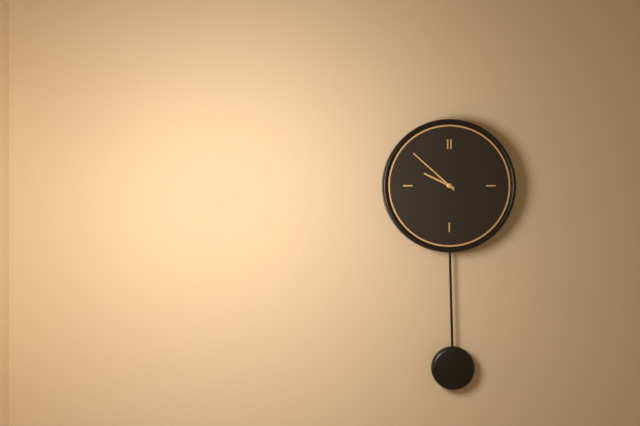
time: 9:52
